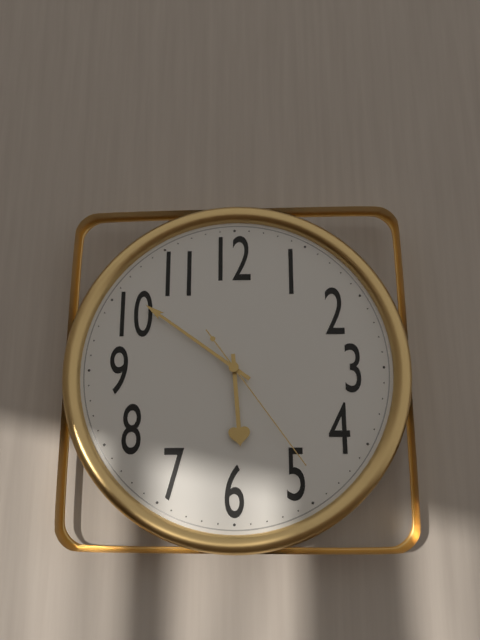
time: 5:51:24
